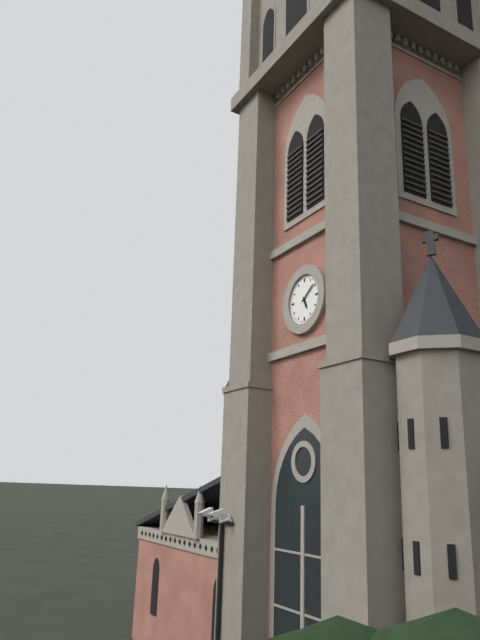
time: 5:09
